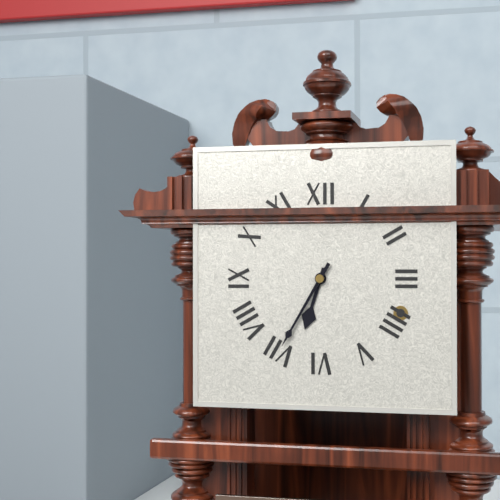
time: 6:35
